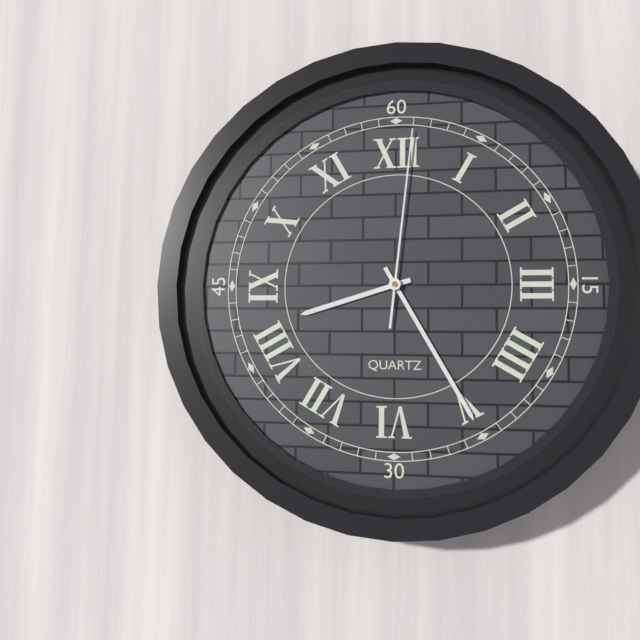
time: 8:25:01
